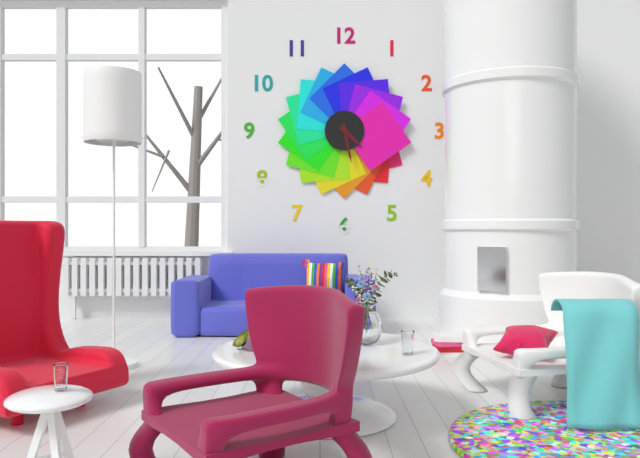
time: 4:28
